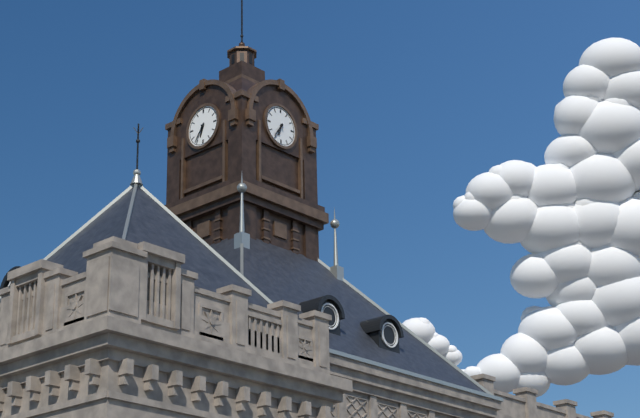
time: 6:36
